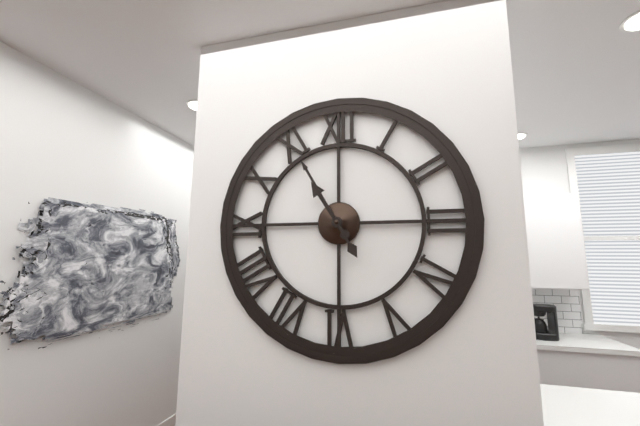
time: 10:55
